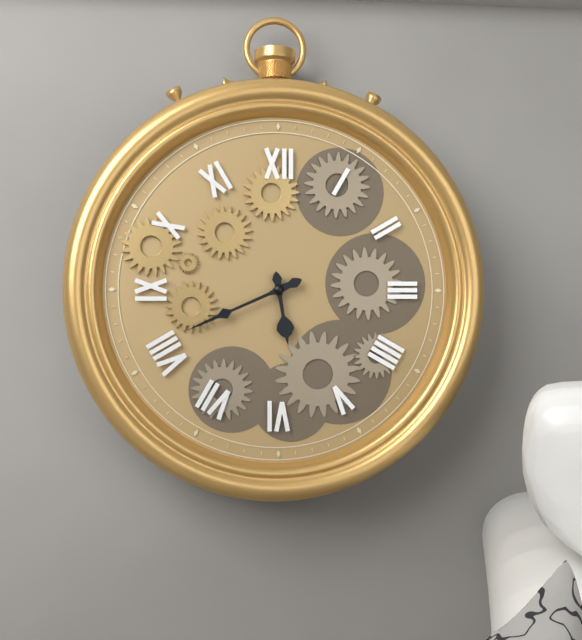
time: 5:41
